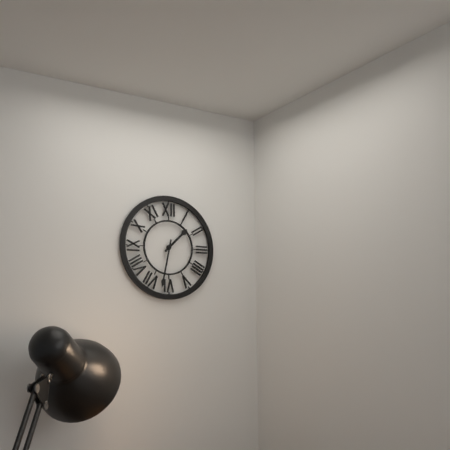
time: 1:32
